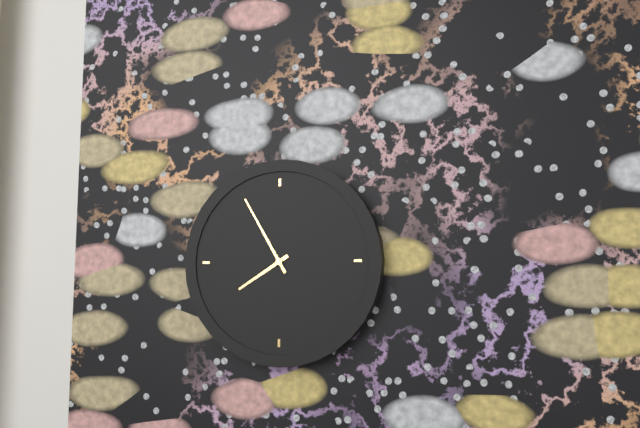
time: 7:55
